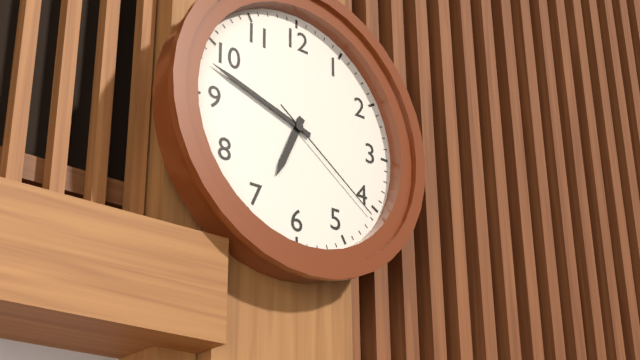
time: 6:48:21
